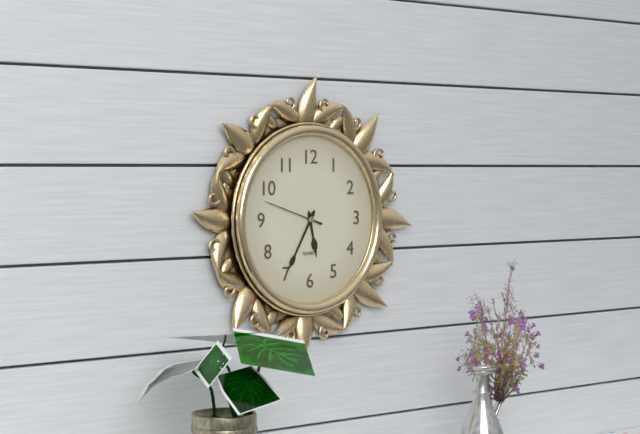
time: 5:35:48
